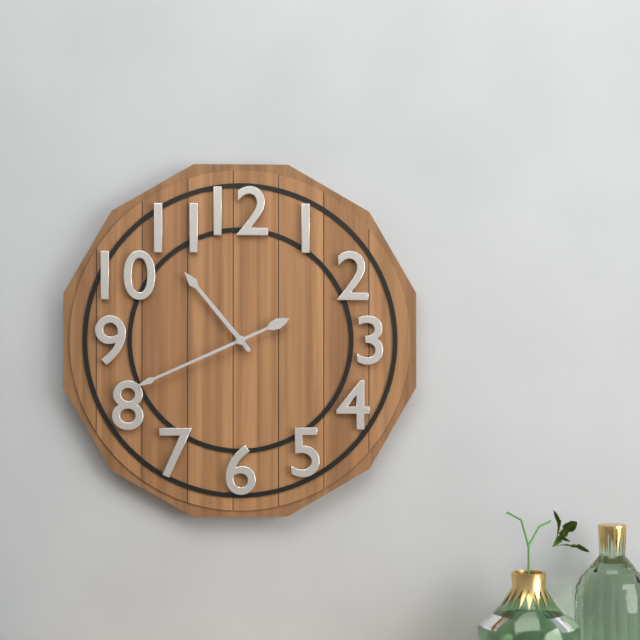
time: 10:41
